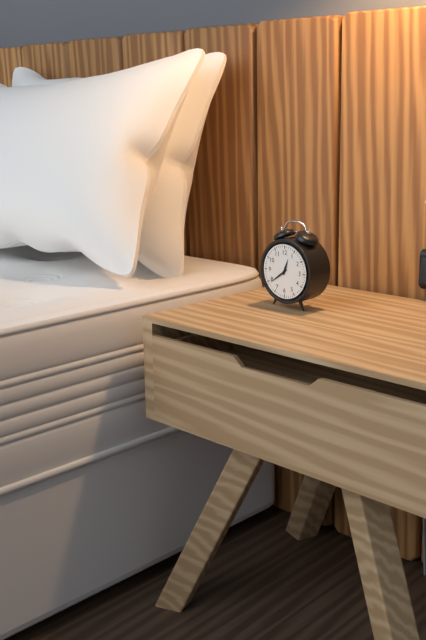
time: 12:39
